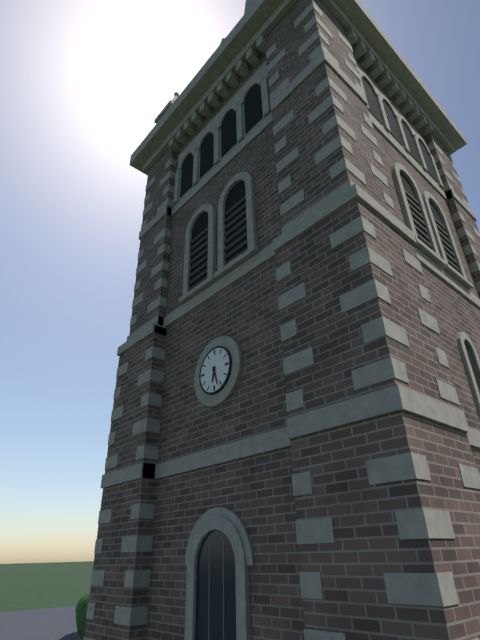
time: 6:27
